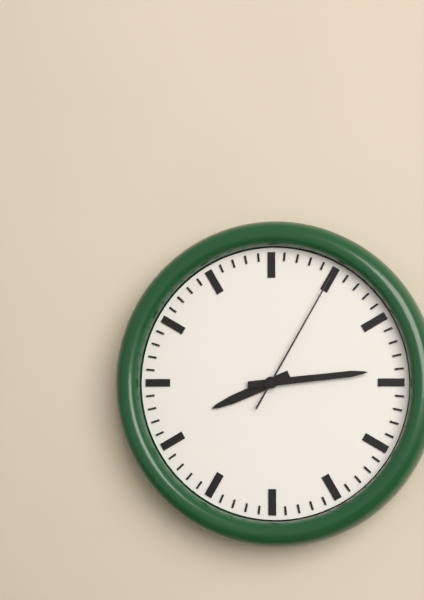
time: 8:14:05
